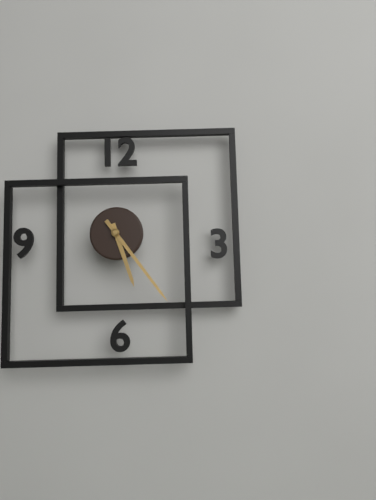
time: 5:24
